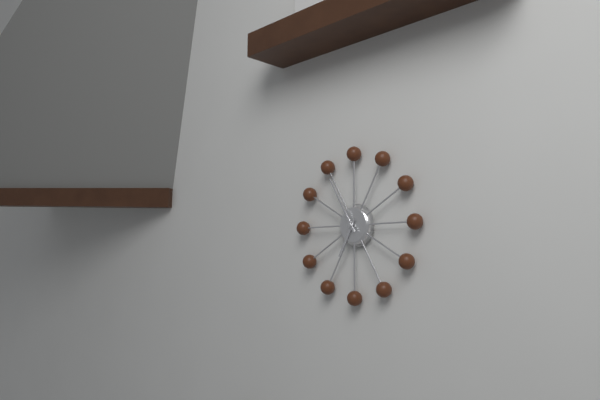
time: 6:55
